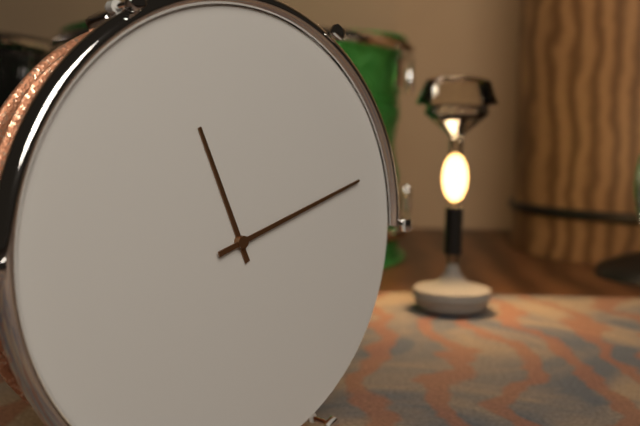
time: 11:12
